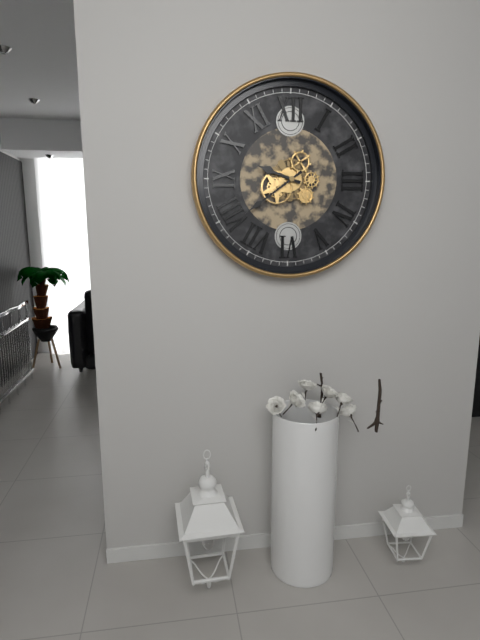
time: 9:39
